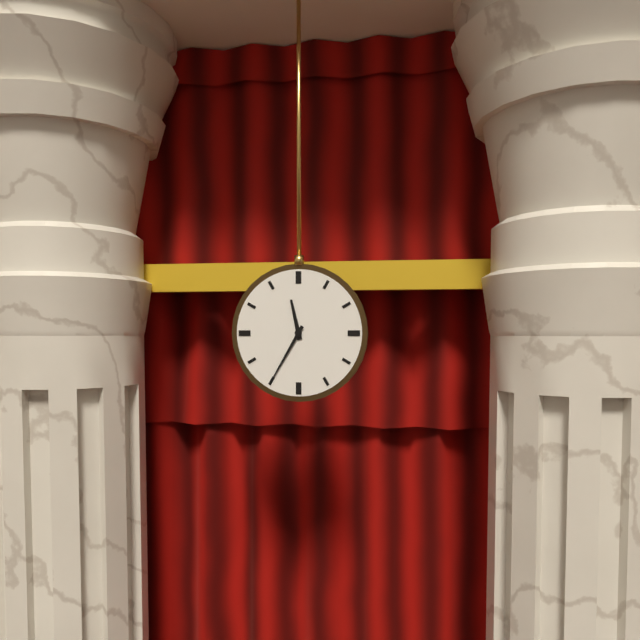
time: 11:35
